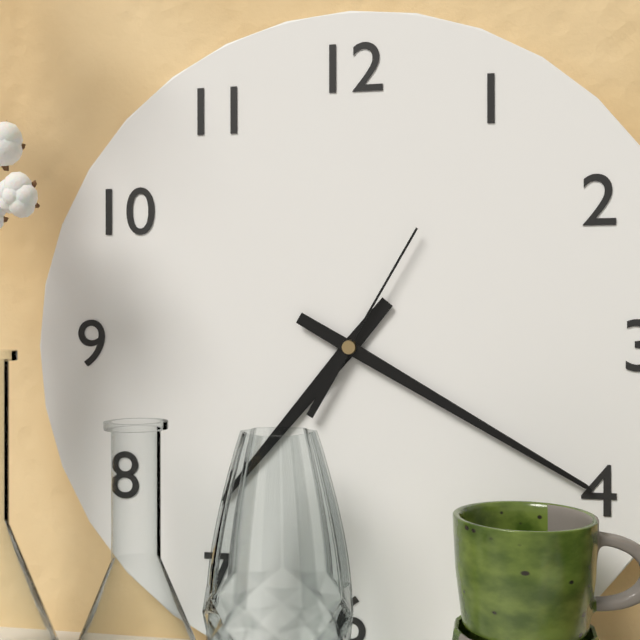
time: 7:20:05
